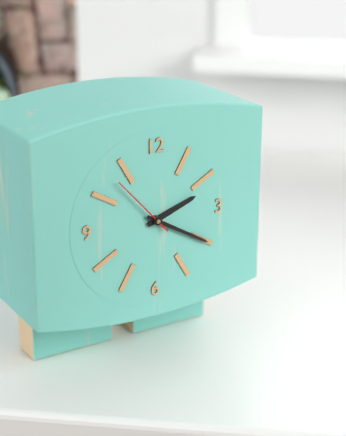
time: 2:20:53
